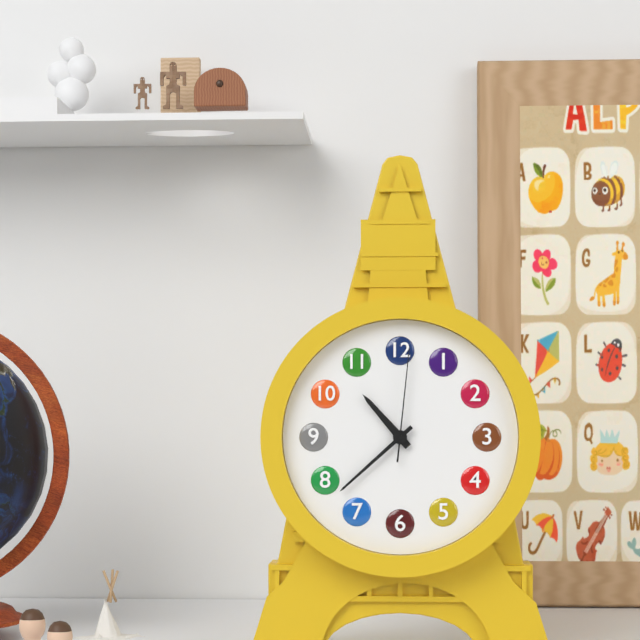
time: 10:38:01
